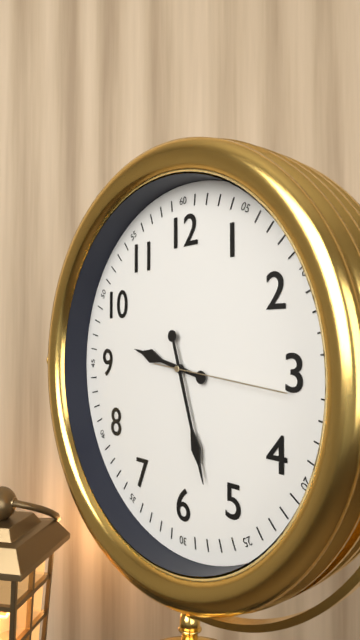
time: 9:27:16
